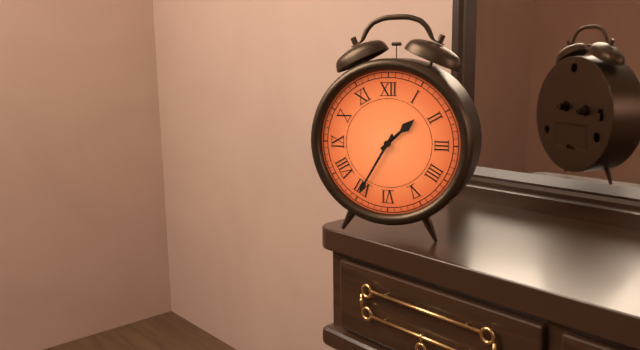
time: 1:35
